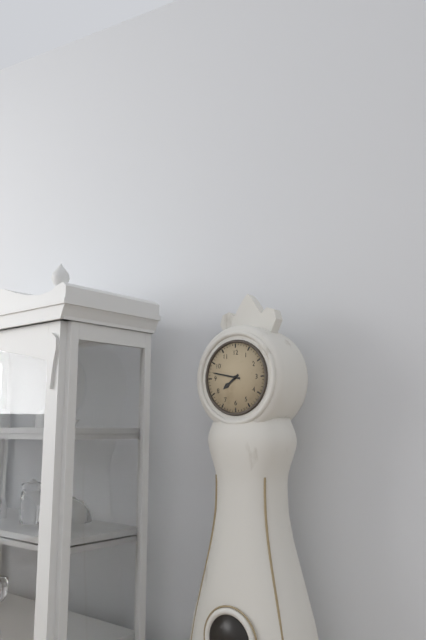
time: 7:47
